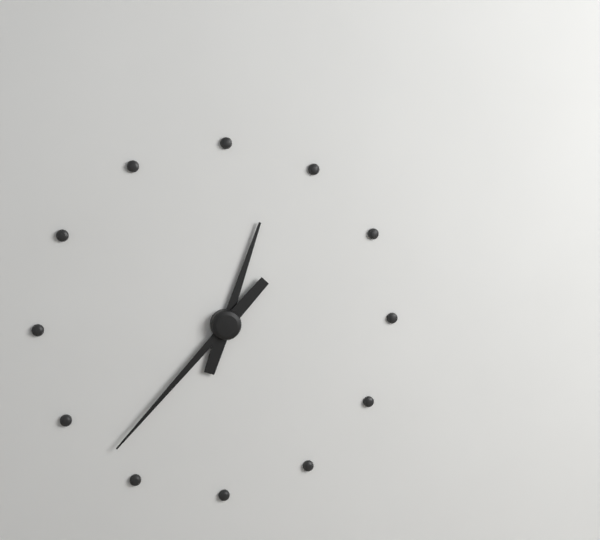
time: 12:37
